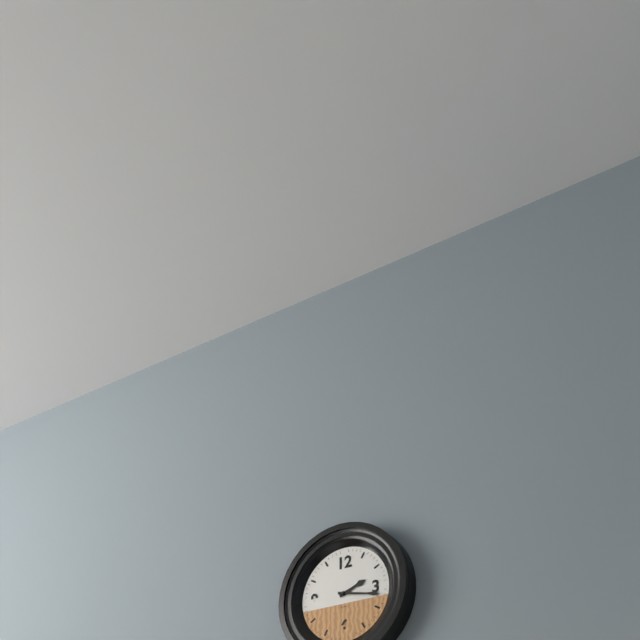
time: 2:17
